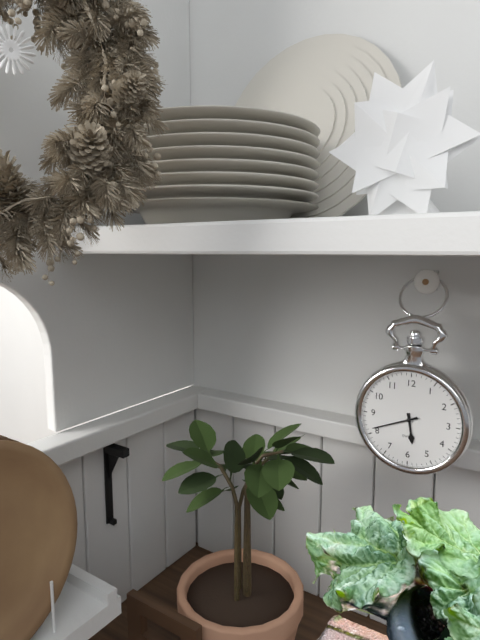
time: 5:41
